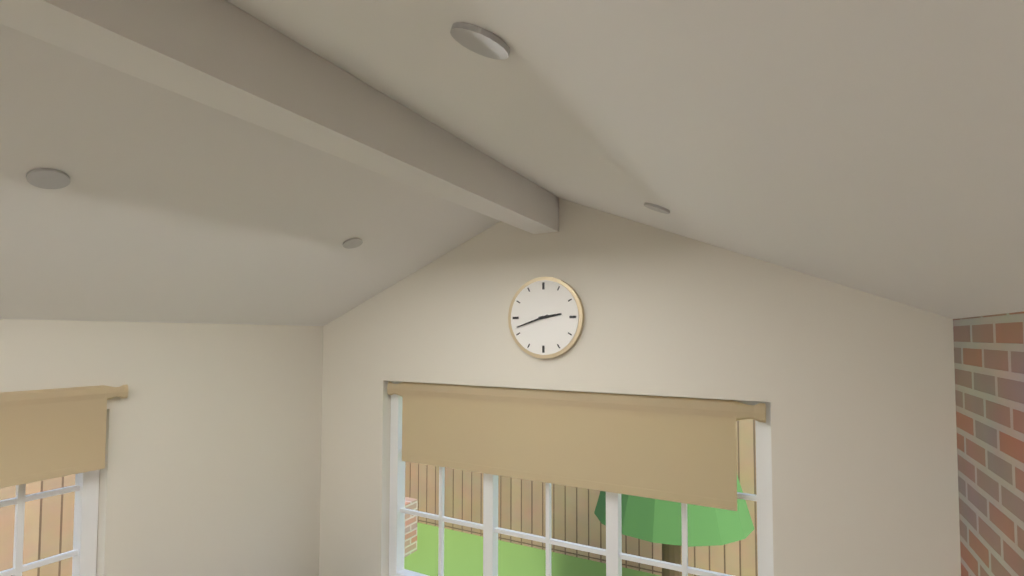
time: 2:42
